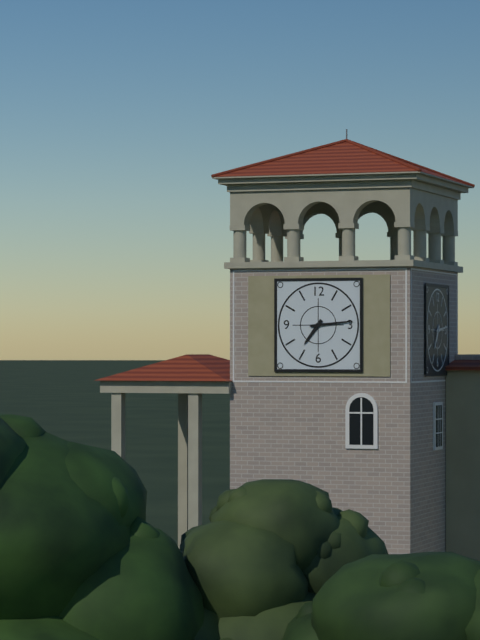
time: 7:14
